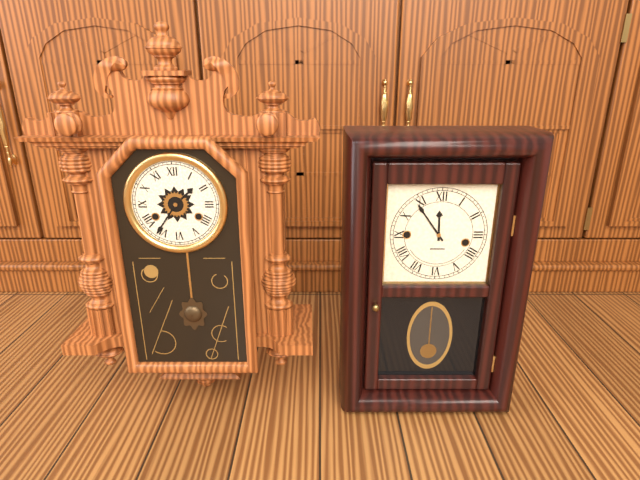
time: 1:36
